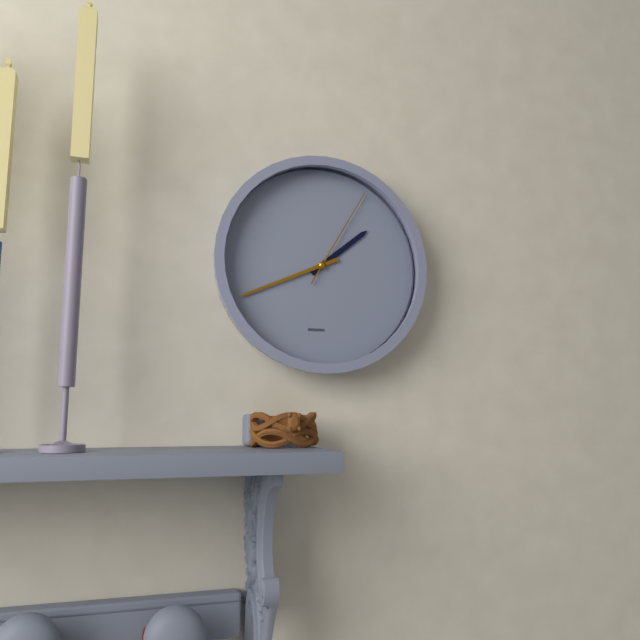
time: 1:41:05
